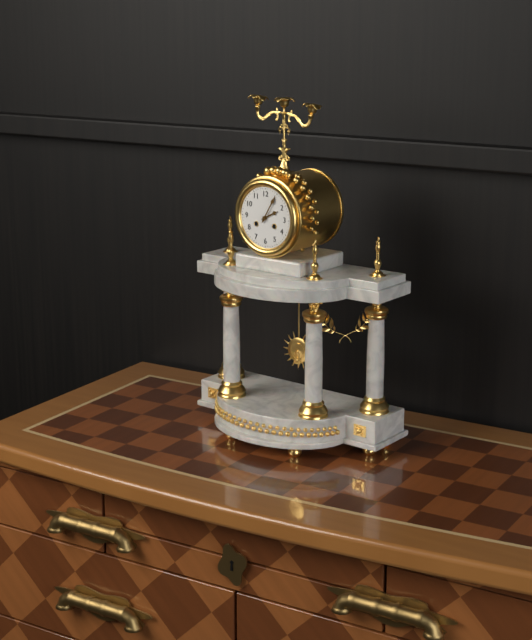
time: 2:05
